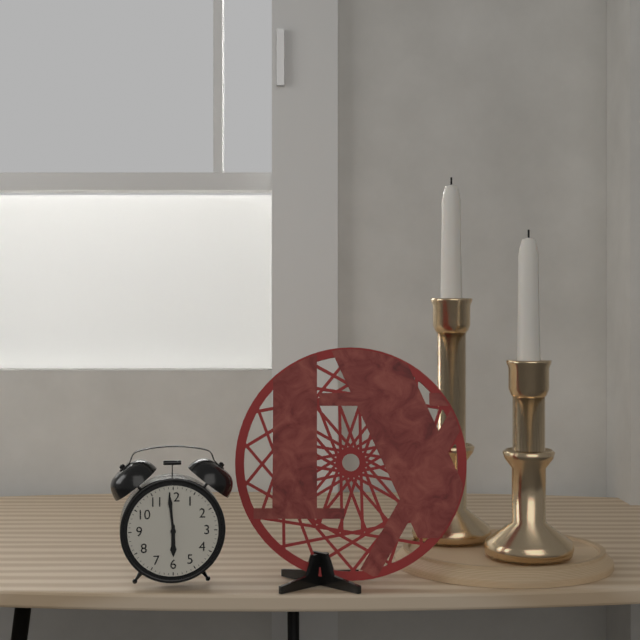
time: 5:59
